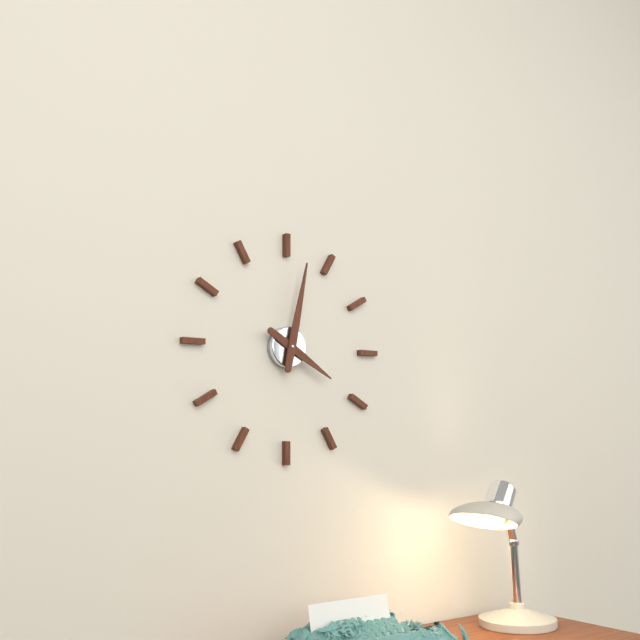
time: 4:02
